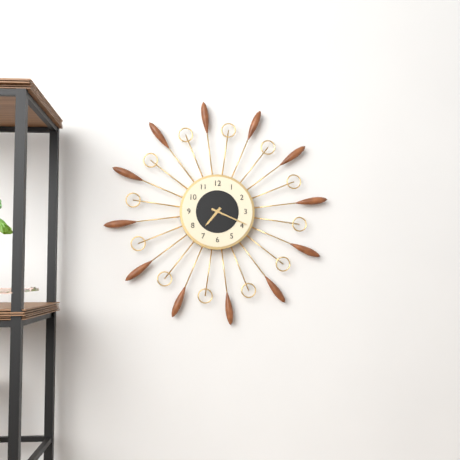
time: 7:19
